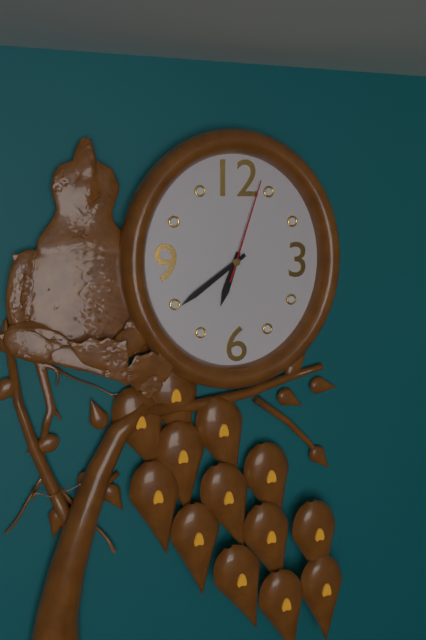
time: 6:39:03
